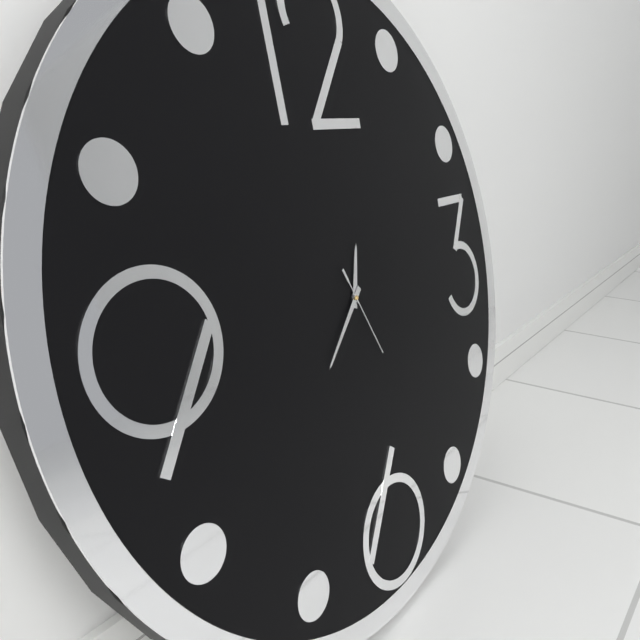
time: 12:38:26
